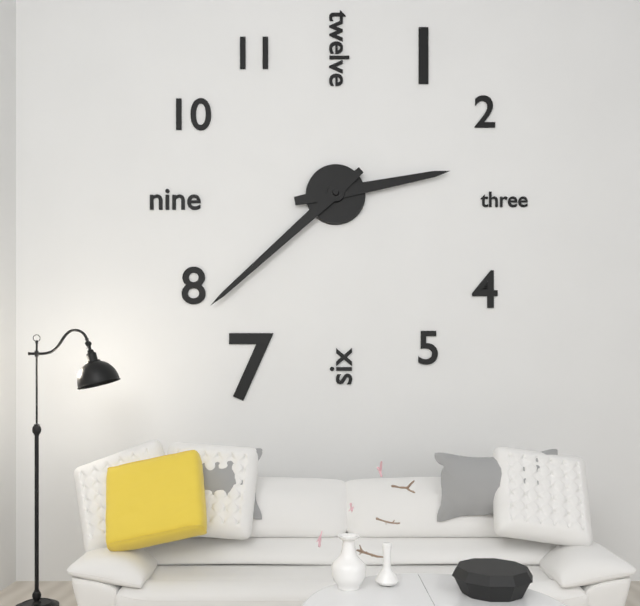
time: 2:38
